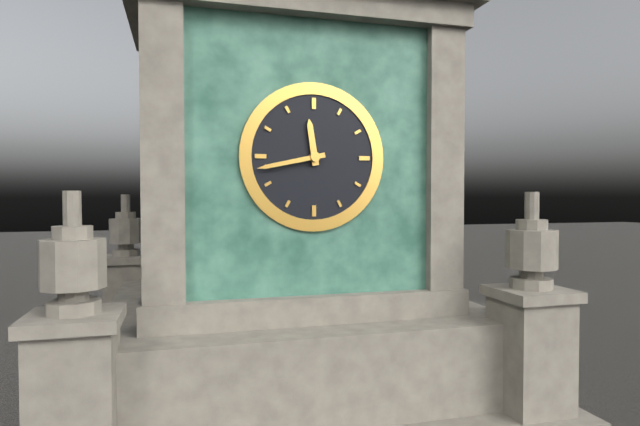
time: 11:43
